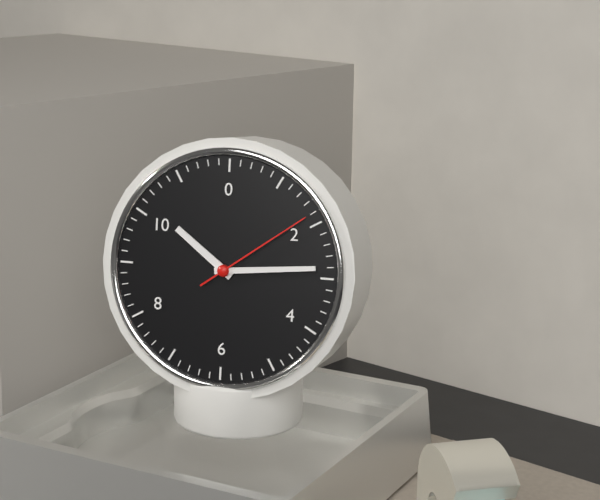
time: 10:14:09
